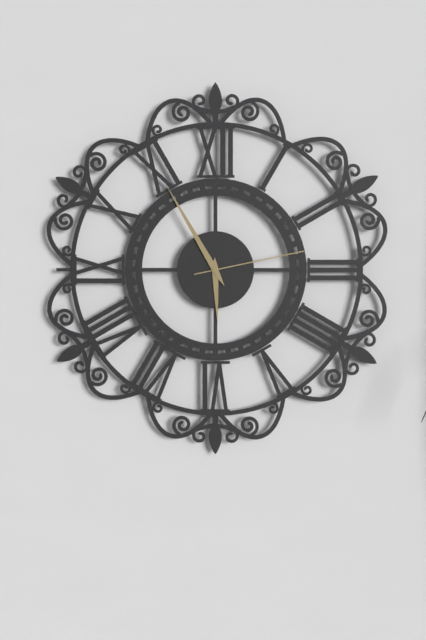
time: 5:55:13
